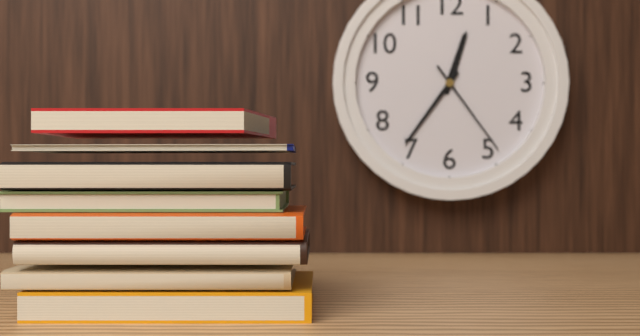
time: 12:36:24
